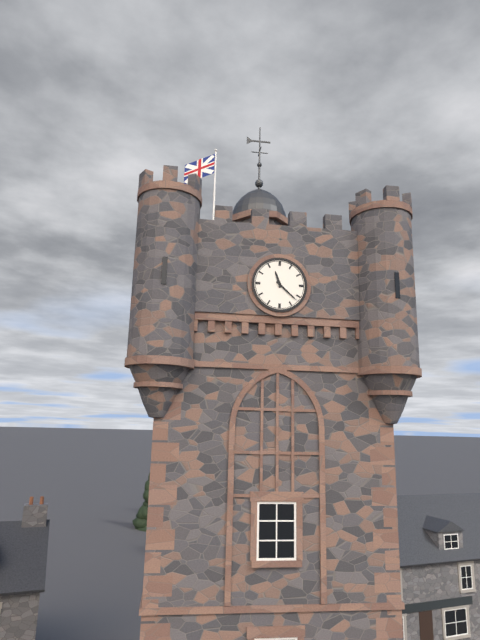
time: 11:22
